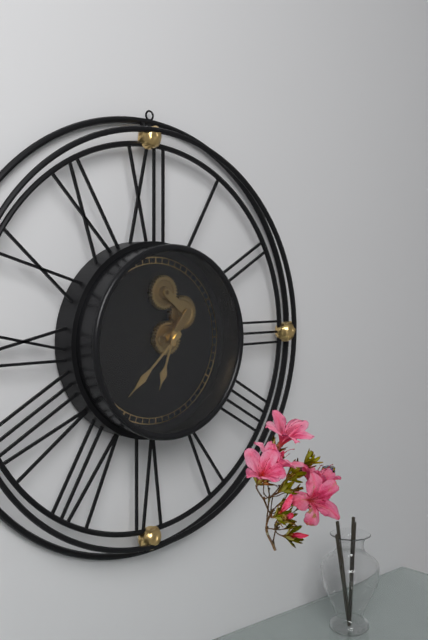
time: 6:38
